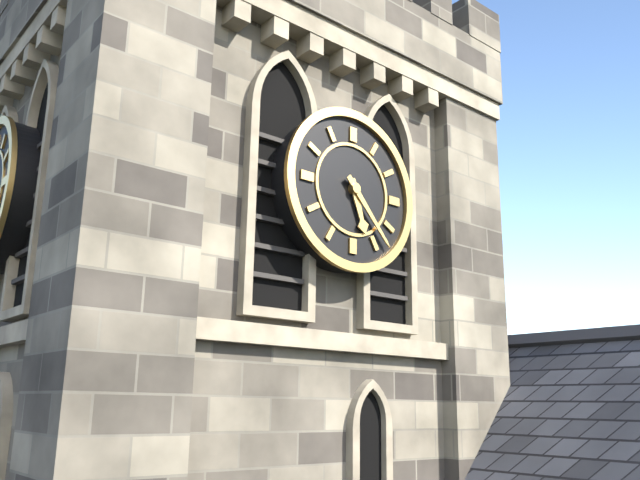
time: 5:23
